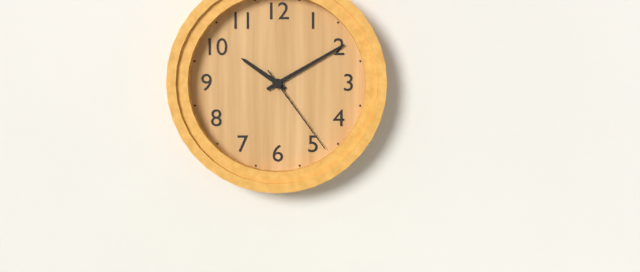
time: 10:10:24
